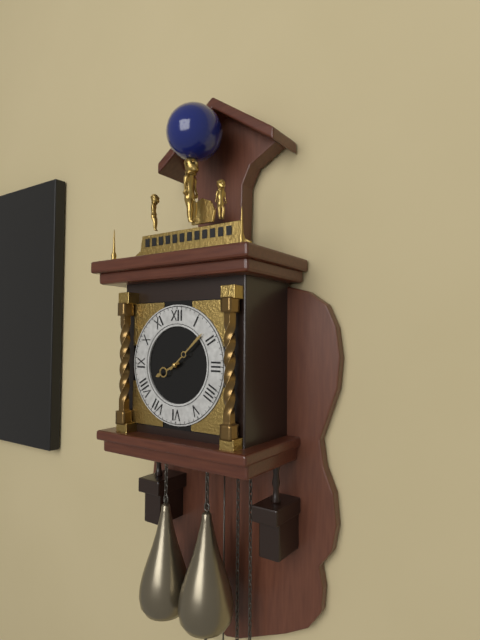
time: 8:08
